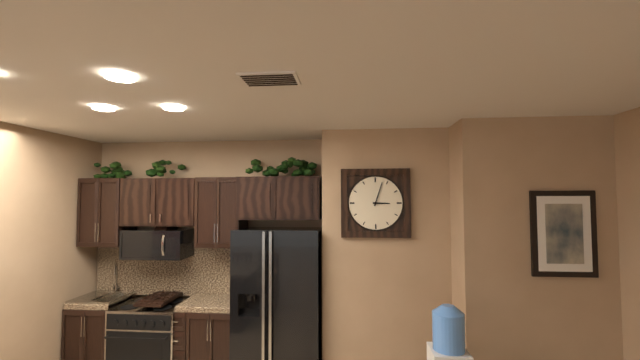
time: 3:03
